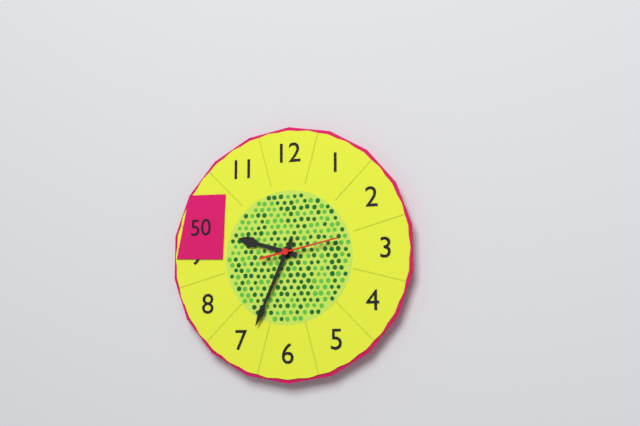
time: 9:34:13
